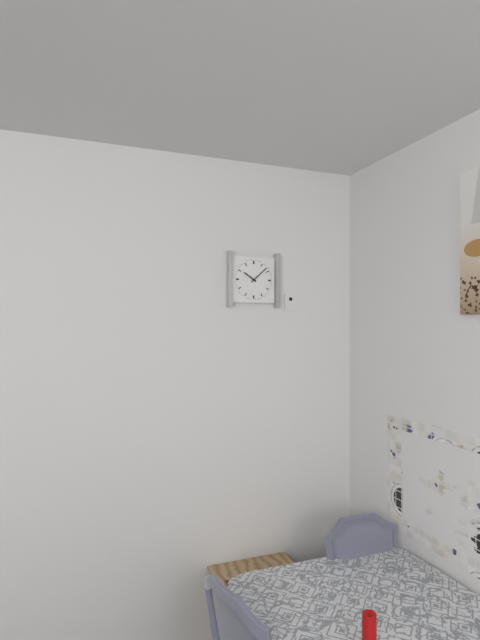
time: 10:08
